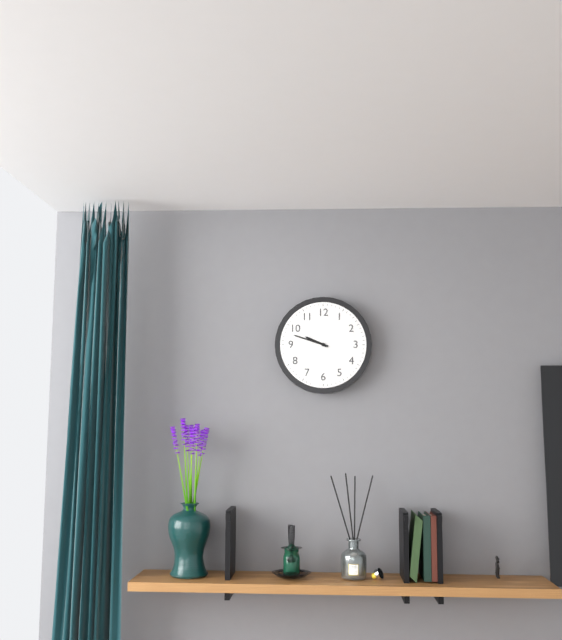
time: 9:48
